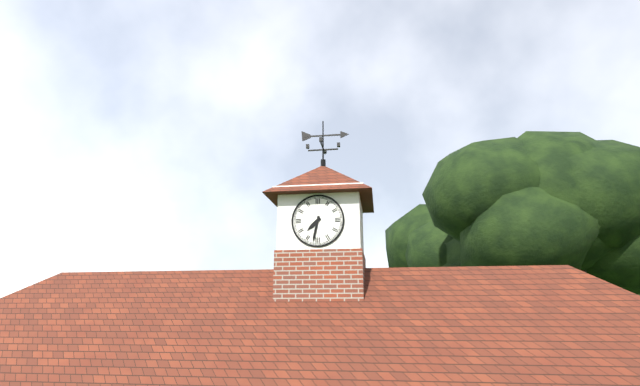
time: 7:32
